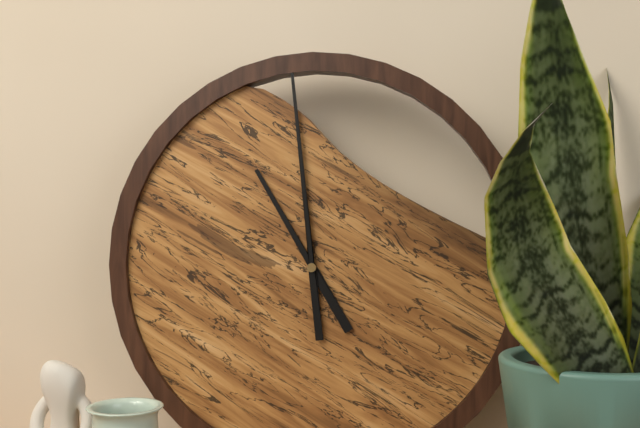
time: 10:59
